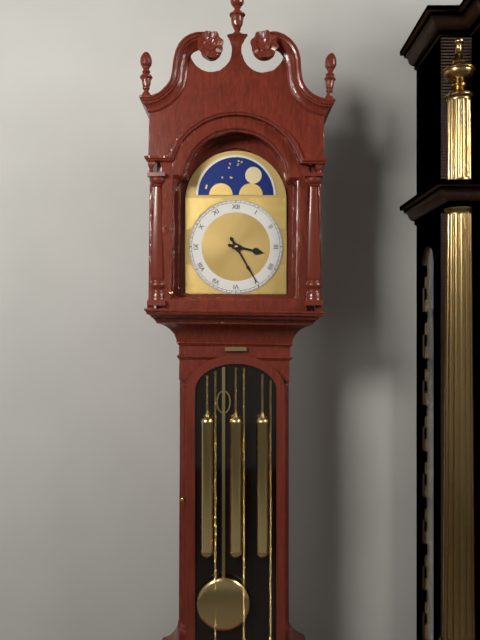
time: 3:25
